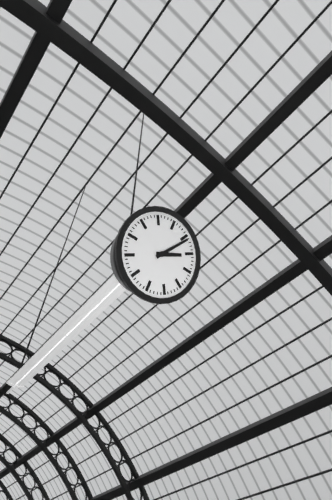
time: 2:06
